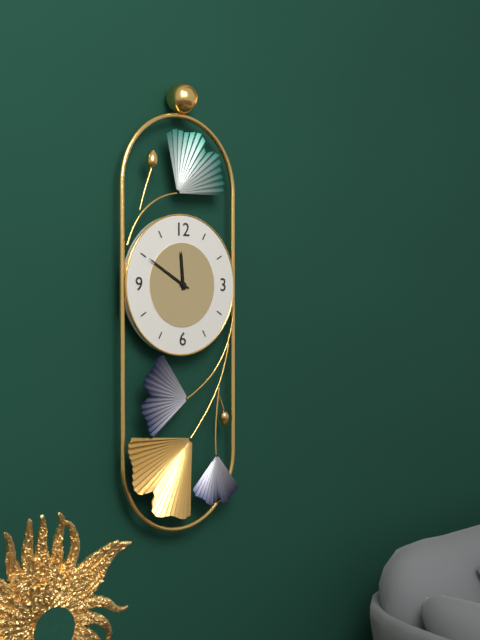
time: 11:50
